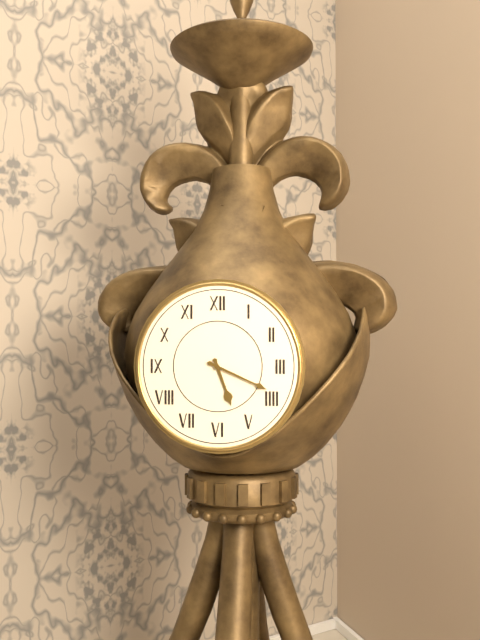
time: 5:19
